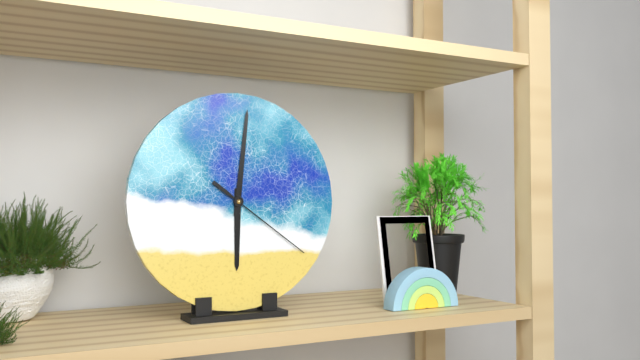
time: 6:01:21
